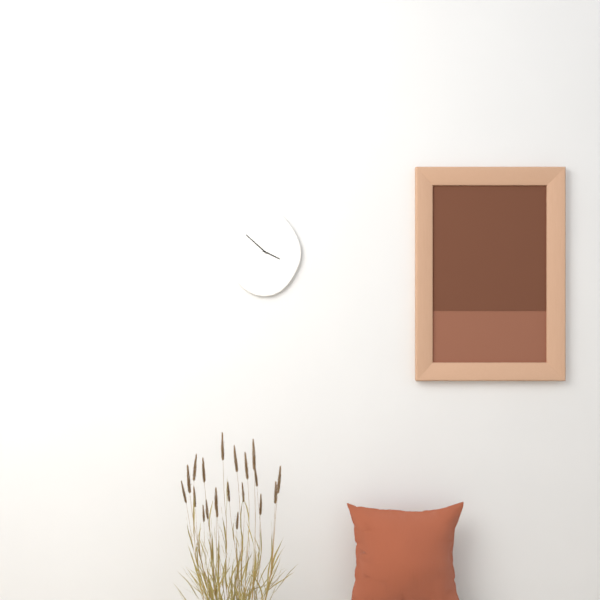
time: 3:52
